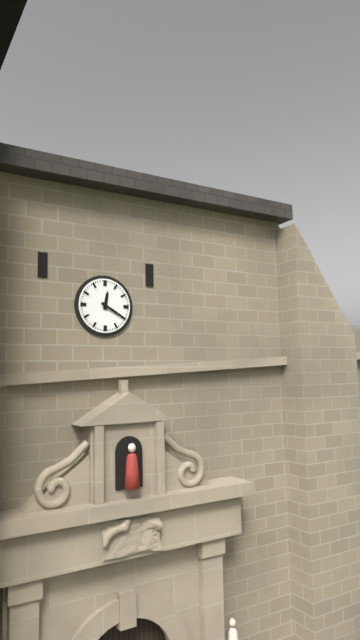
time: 12:20
